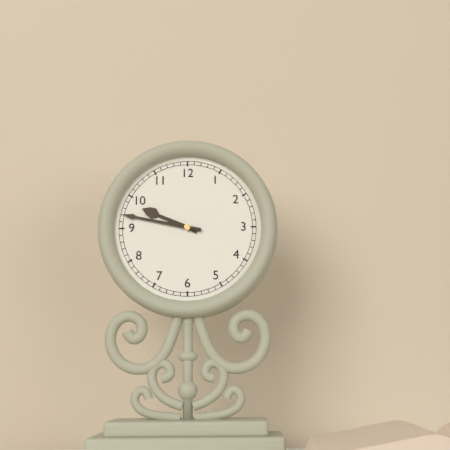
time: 9:47
